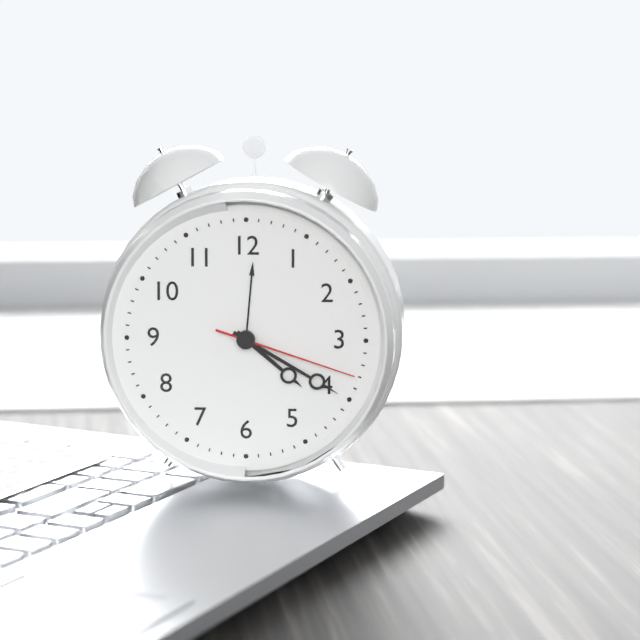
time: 4:20:18
